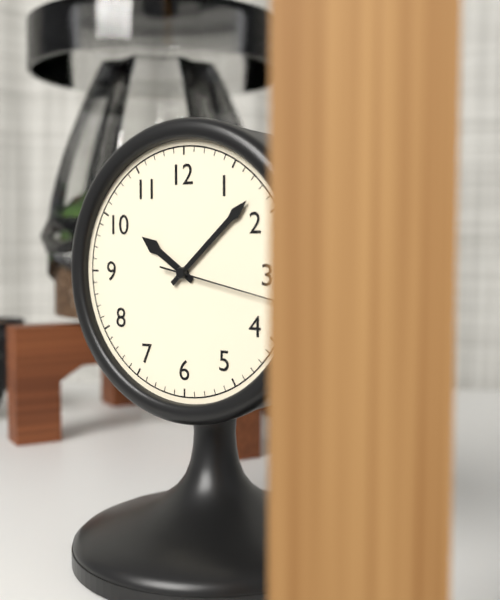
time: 10:08:17
